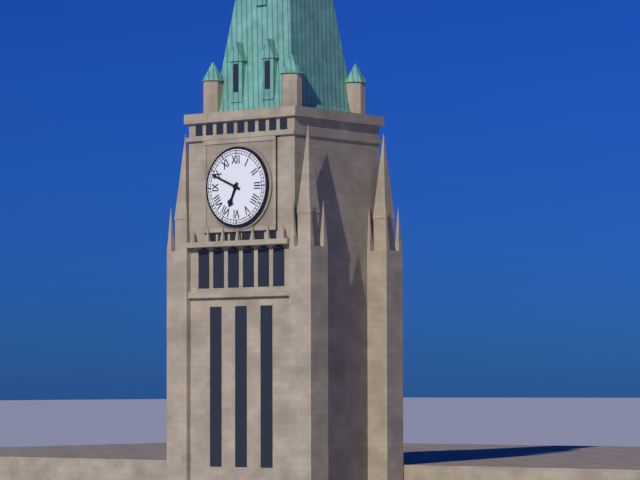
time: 6:49
